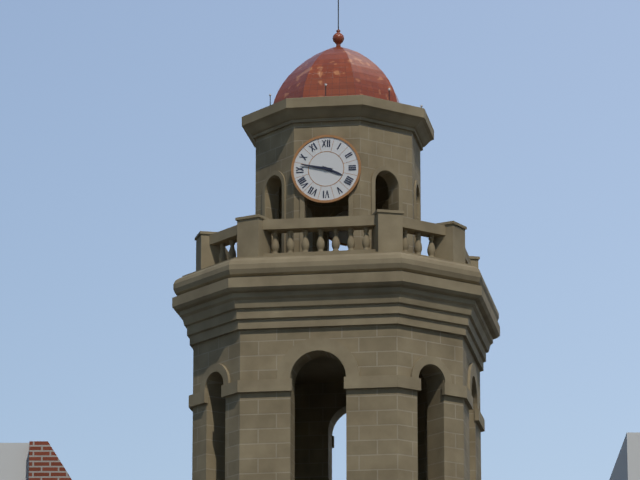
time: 3:47
